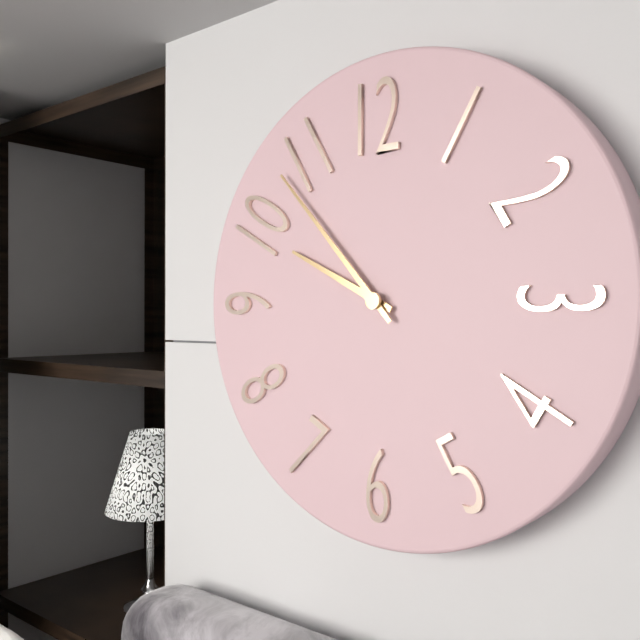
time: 9:53
